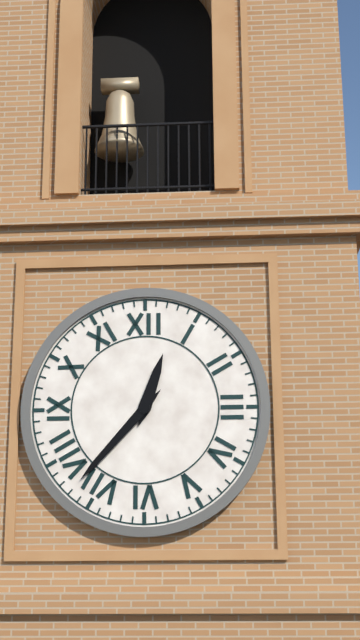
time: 12:37
